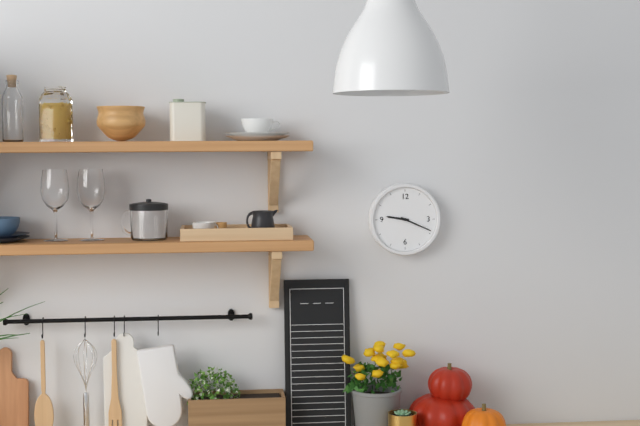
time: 9:19
